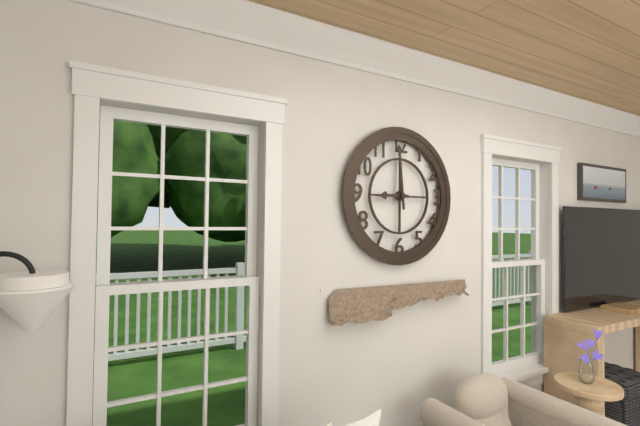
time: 8:59
